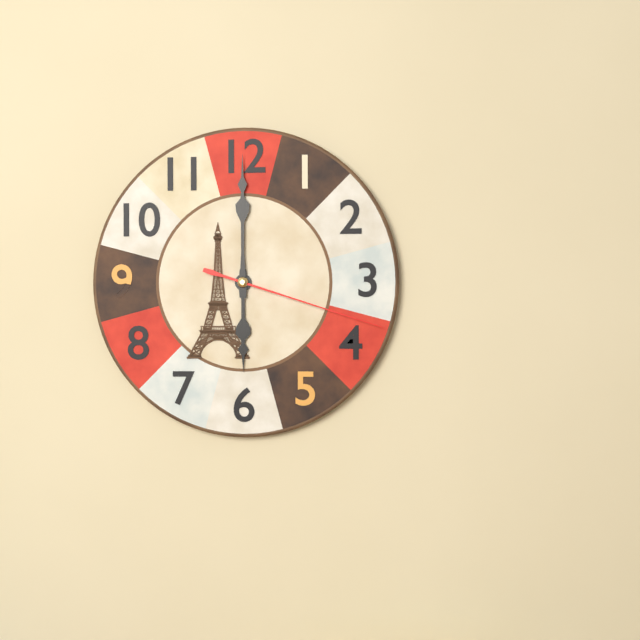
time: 6:00:18
